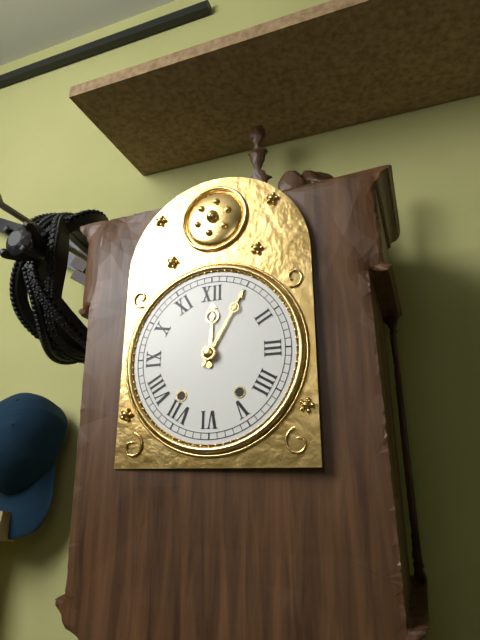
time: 12:05
